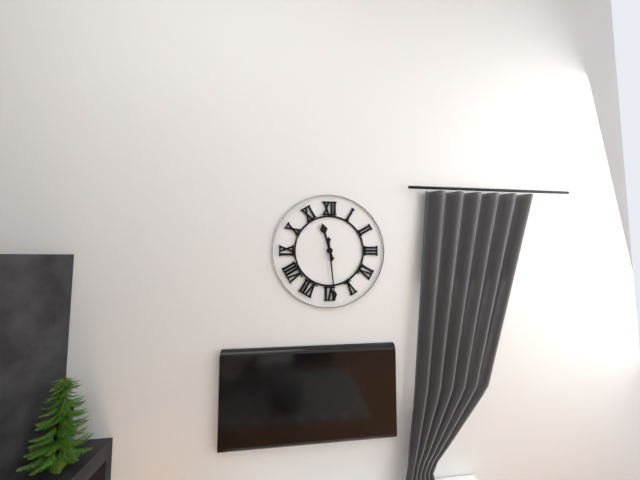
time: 11:29
